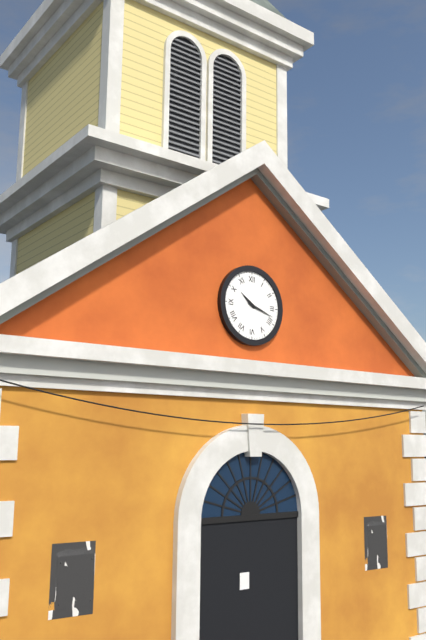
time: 10:18
